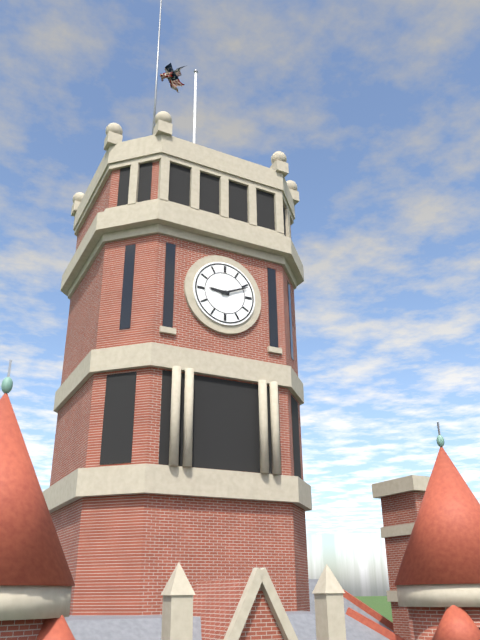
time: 9:11
